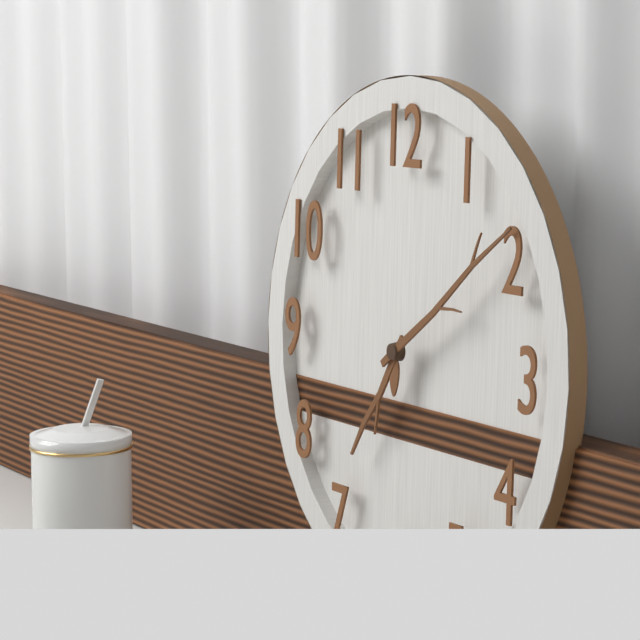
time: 7:09
